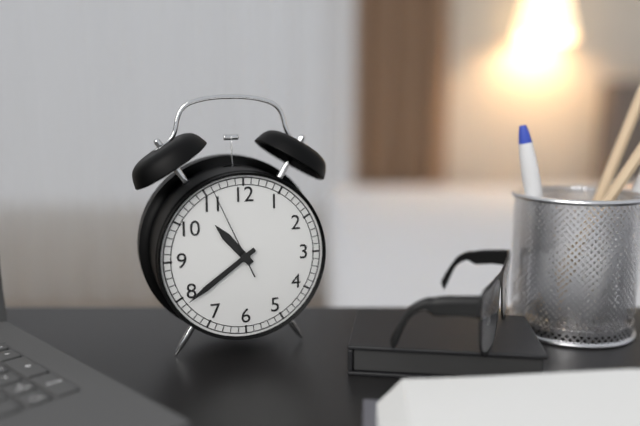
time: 10:39:56
